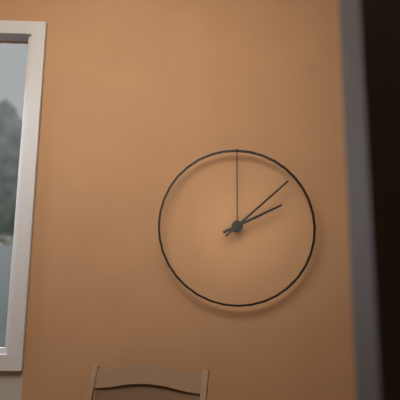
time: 2:08
